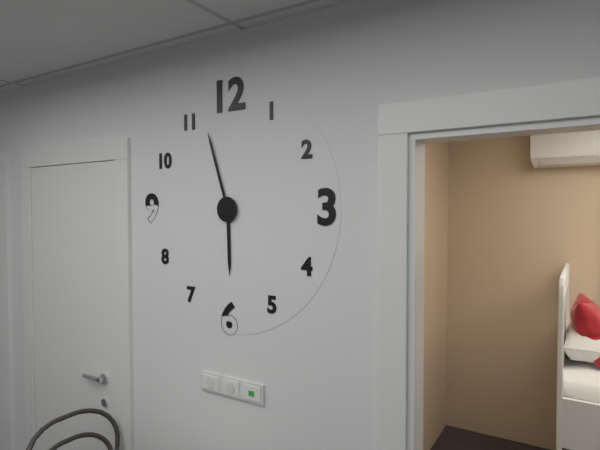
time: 5:57
